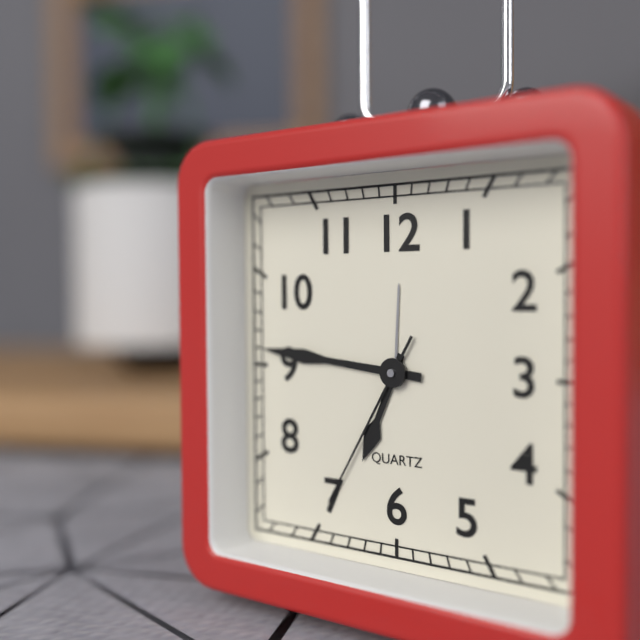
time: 6:46:35
